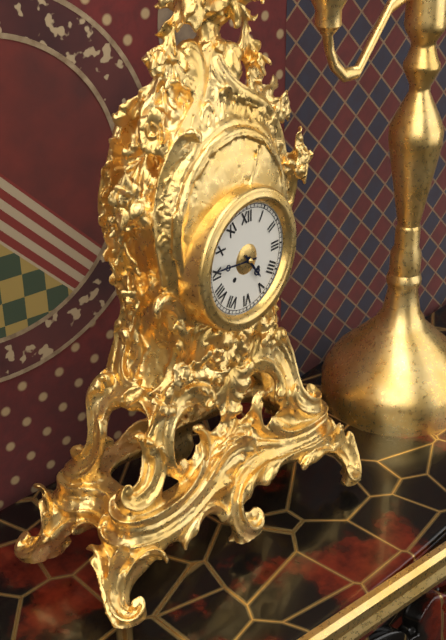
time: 4:46
